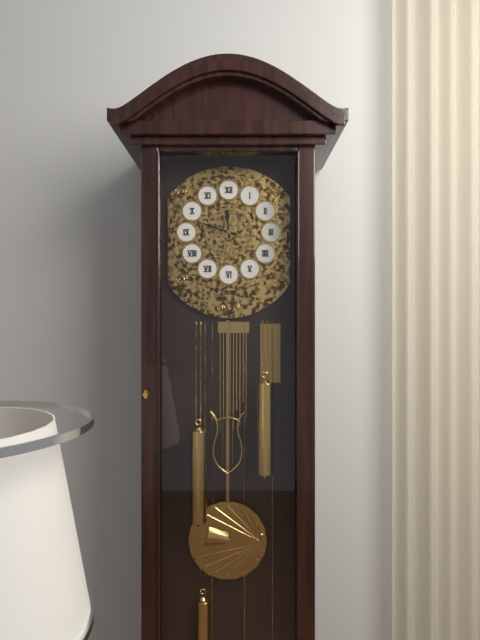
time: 11:48
